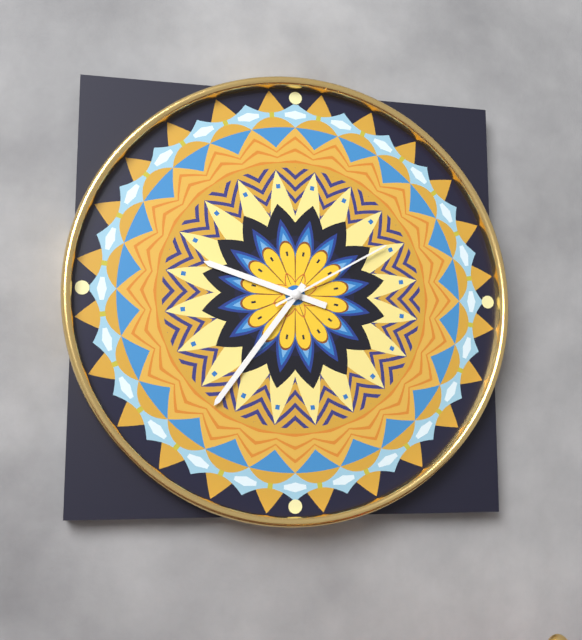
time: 9:36:10
